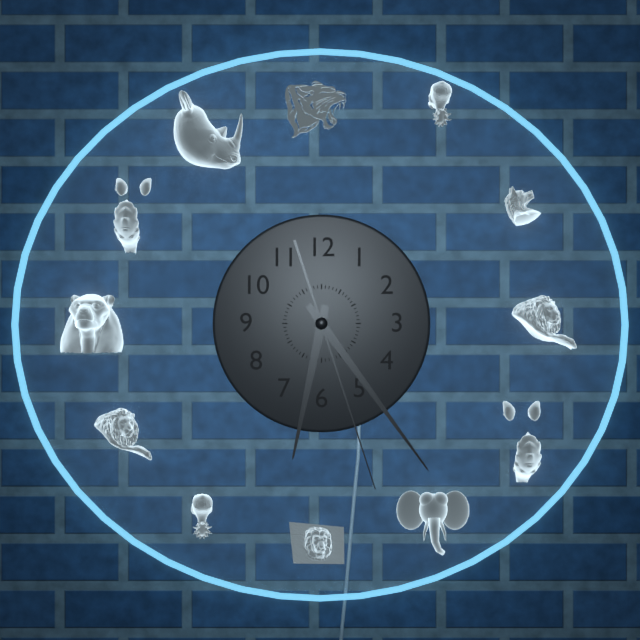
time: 6:24:27
